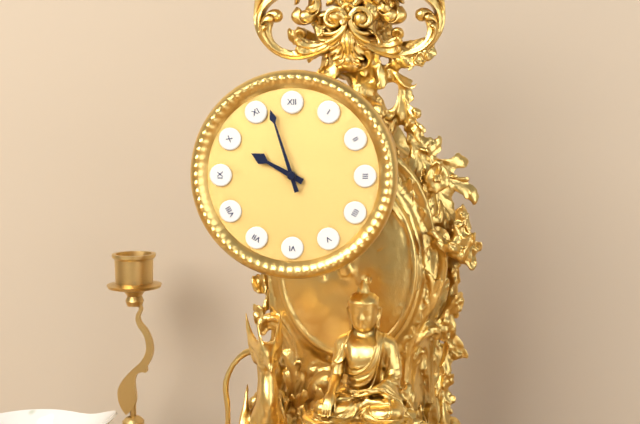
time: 9:57
